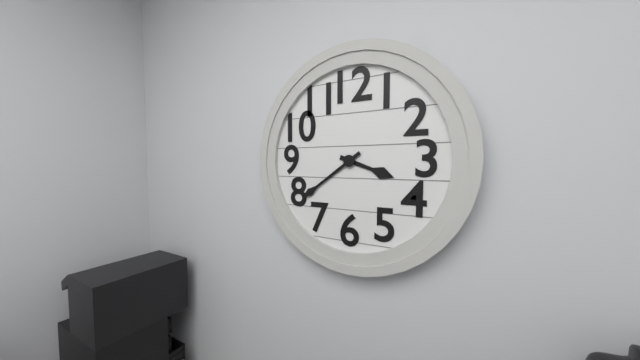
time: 3:39
